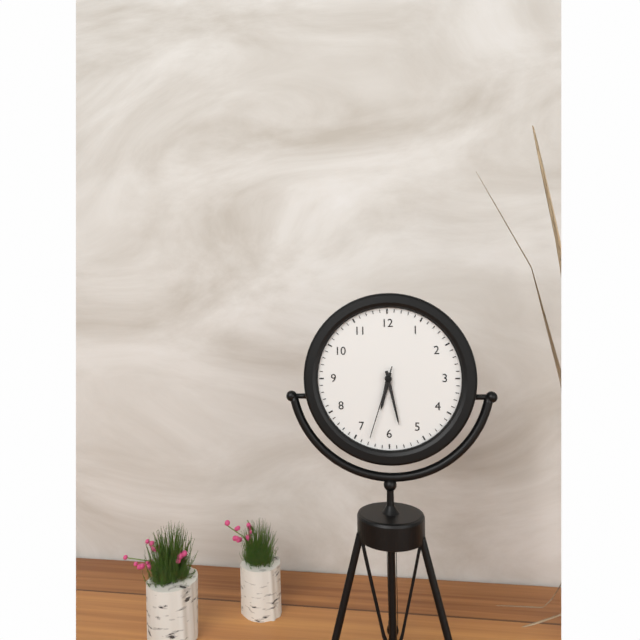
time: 6:28:33
